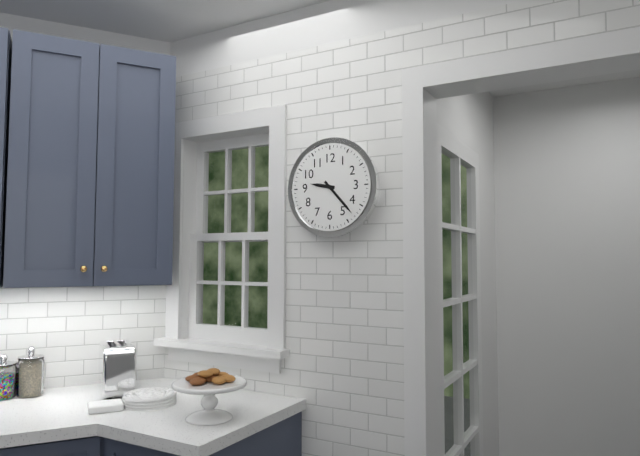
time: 9:23
